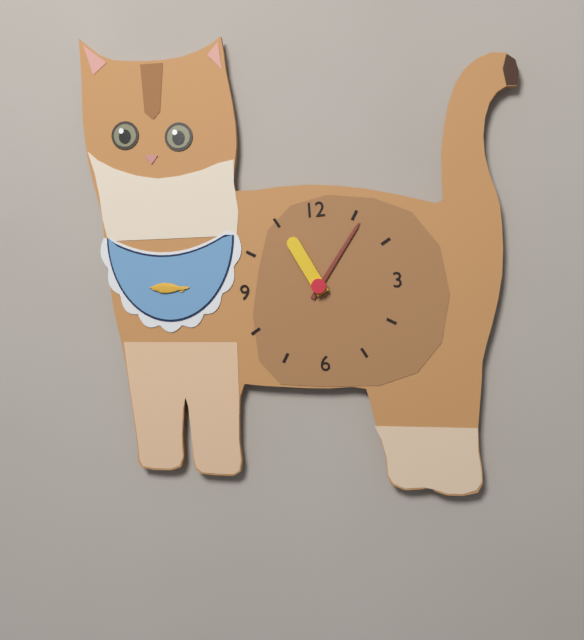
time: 11:06
